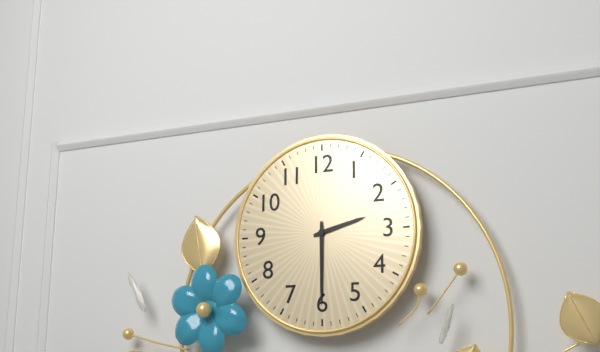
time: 2:30
